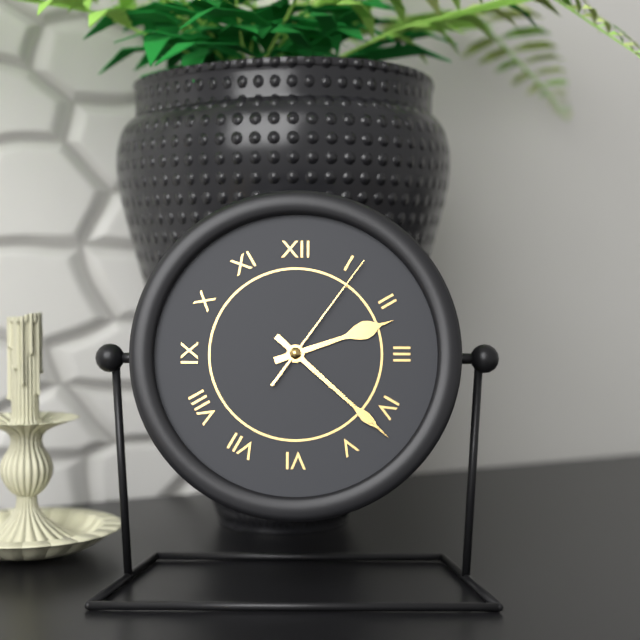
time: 2:22:06
